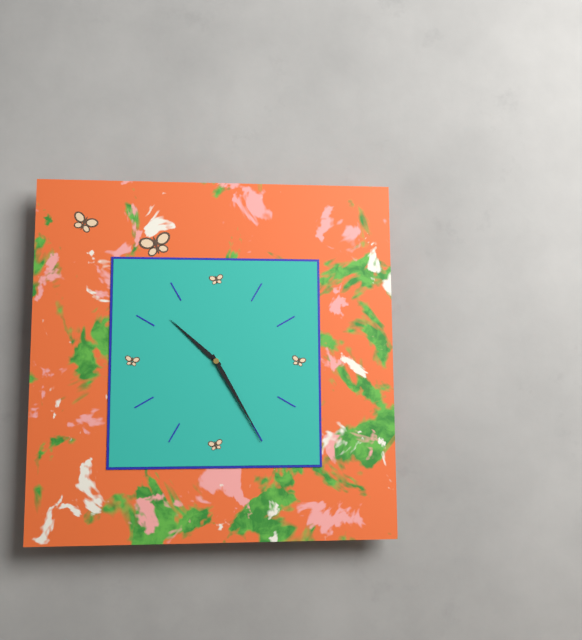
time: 10:25
